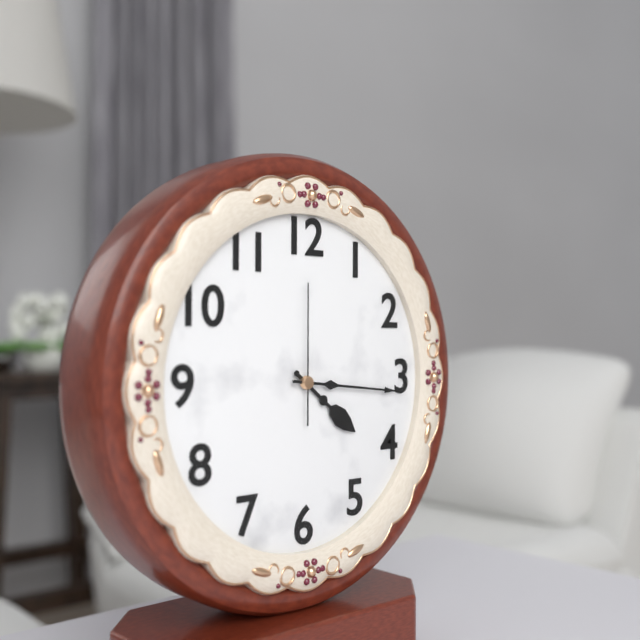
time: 4:16:00
